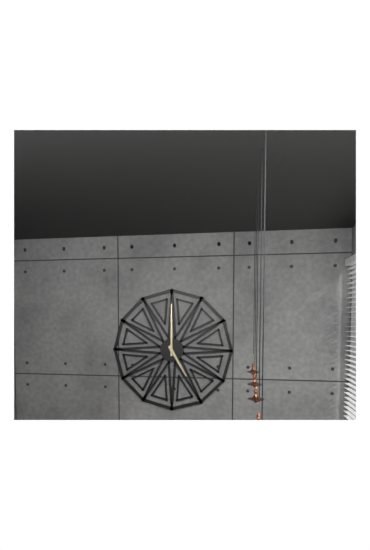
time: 5:00
